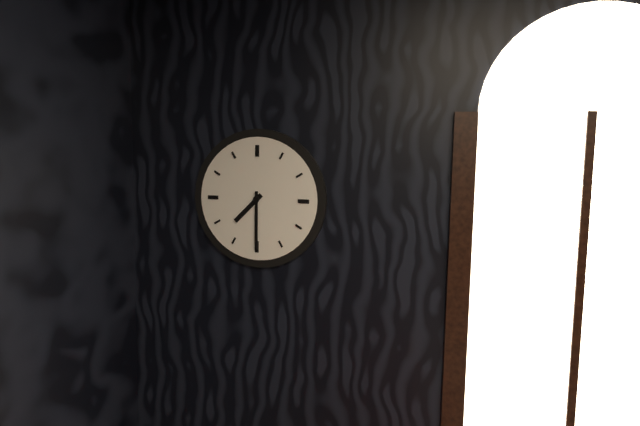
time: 7:30
